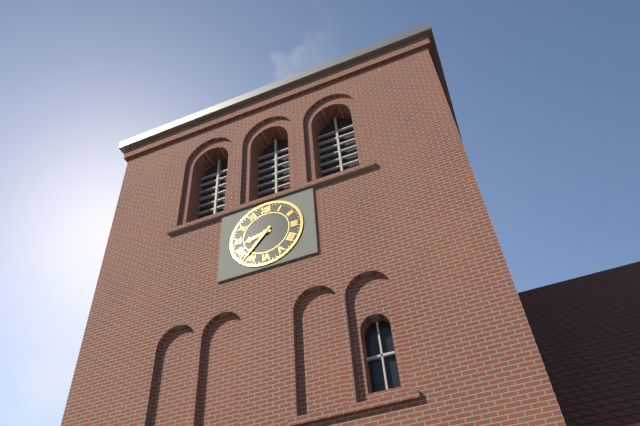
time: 8:37
